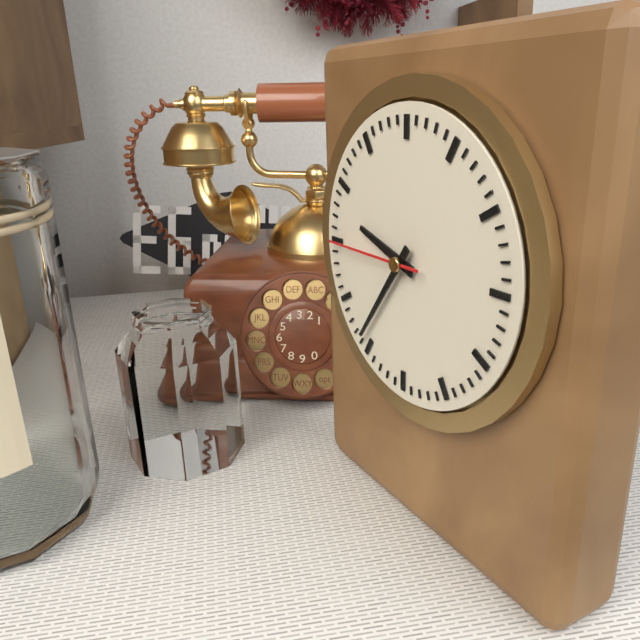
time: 9:36:45
